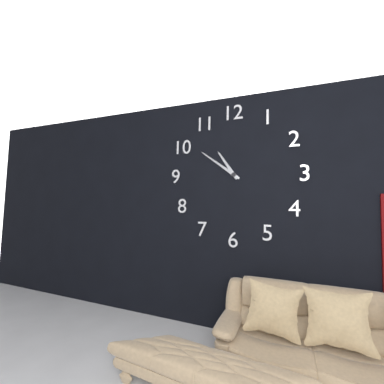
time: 10:51
